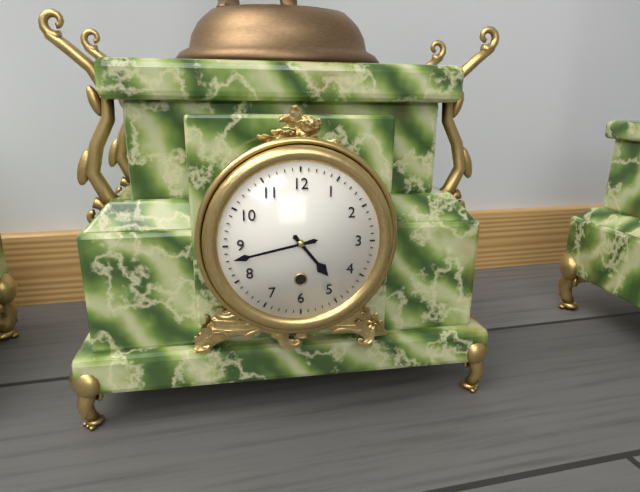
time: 4:43
